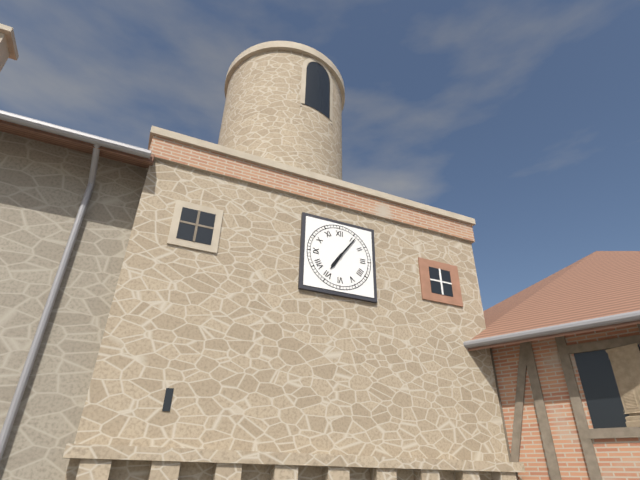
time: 7:06
